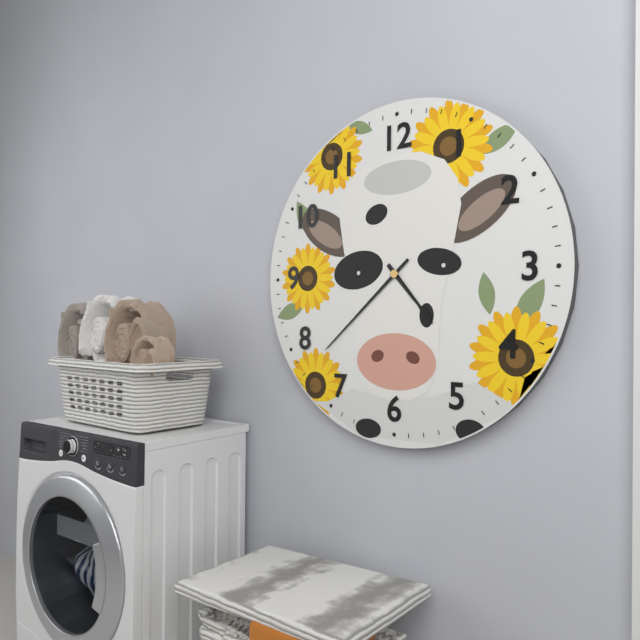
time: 4:38
